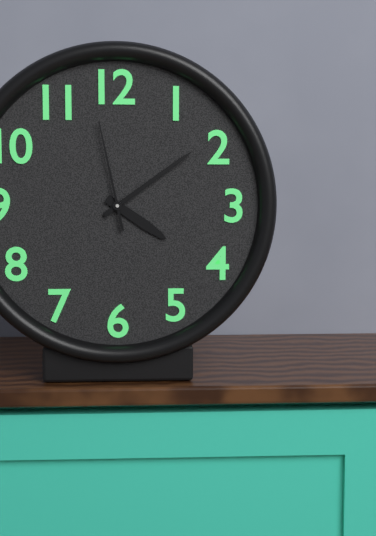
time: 4:09:58
